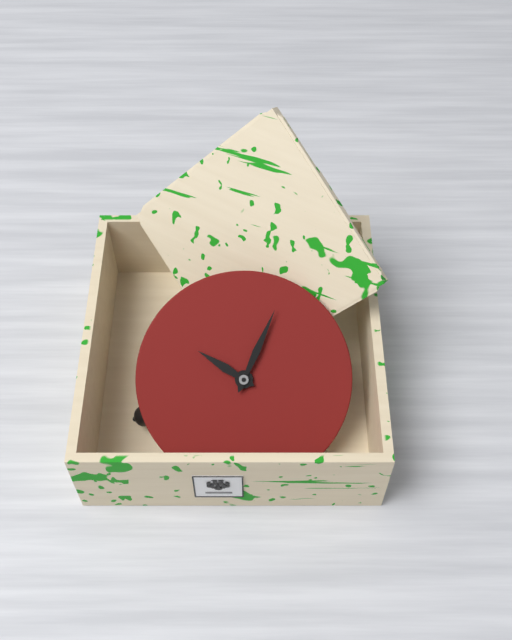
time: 10:04
